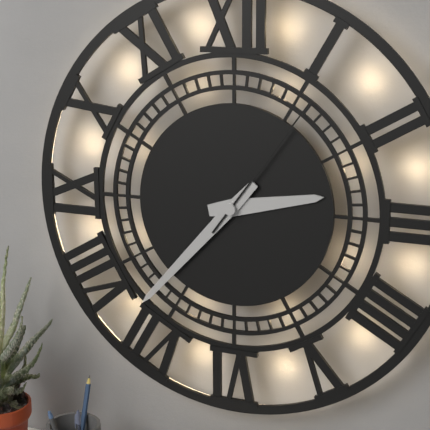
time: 2:37:06
